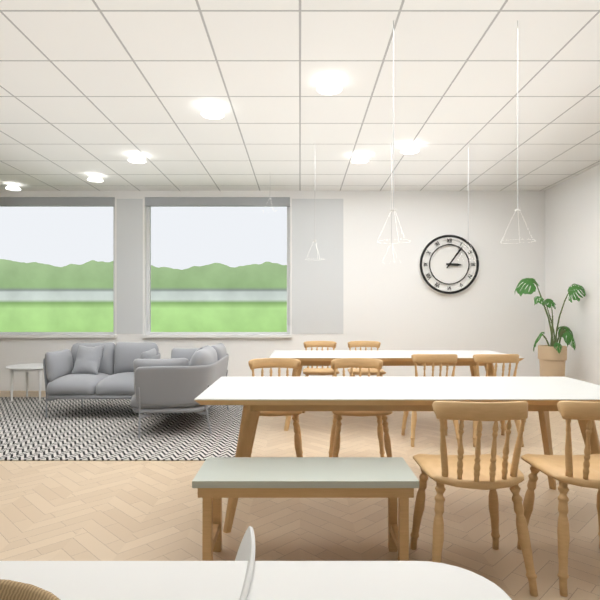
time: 3:06
